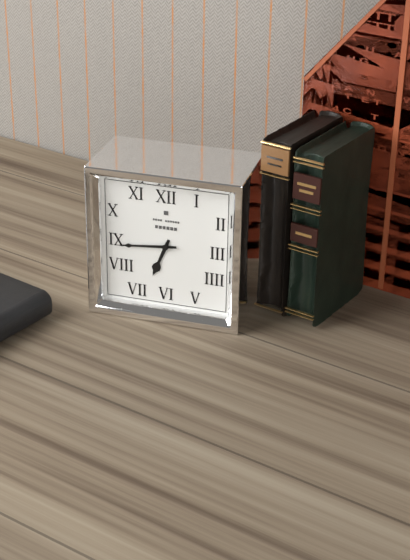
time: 6:44
